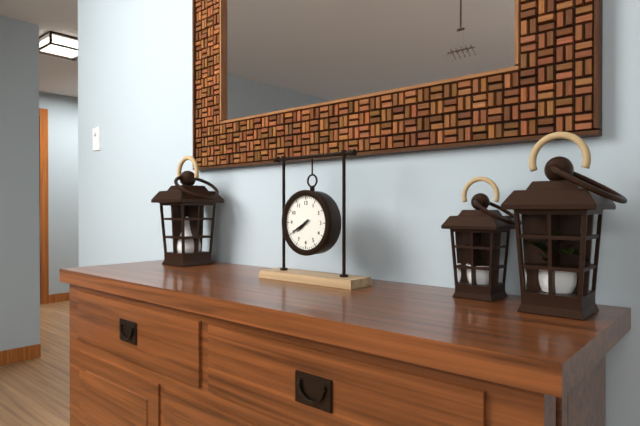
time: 7:40
